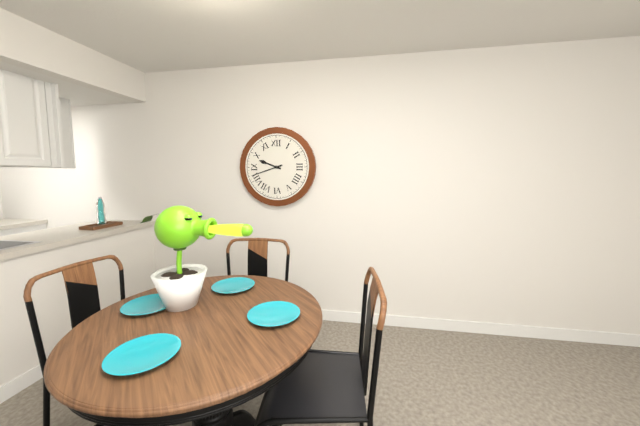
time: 9:42
